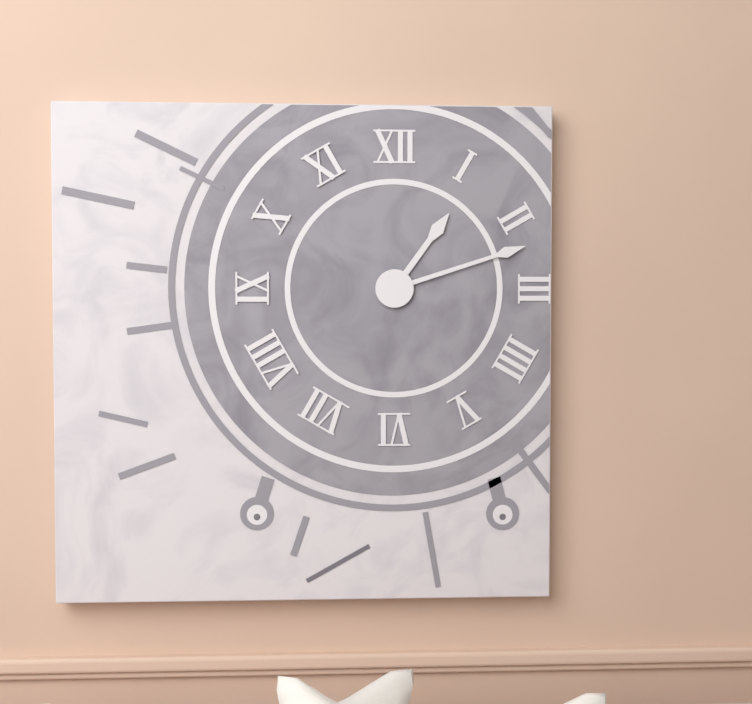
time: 1:12
